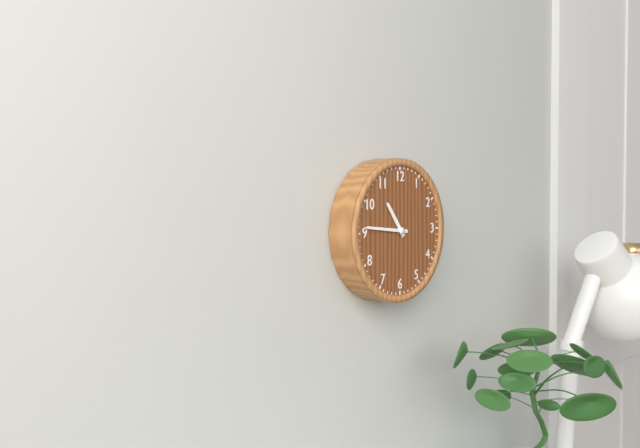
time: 10:46
